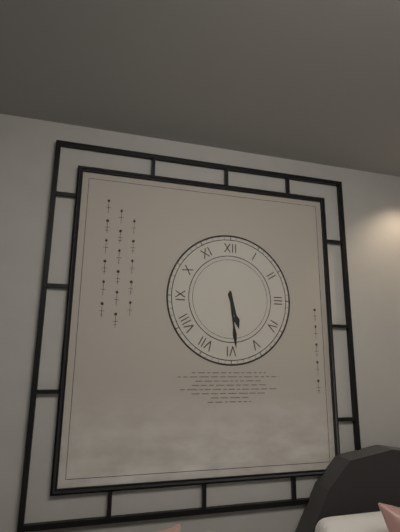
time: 5:29
